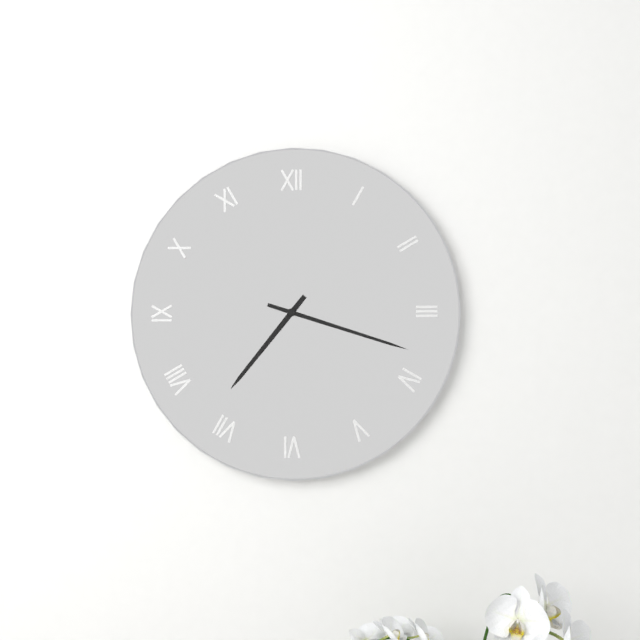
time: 7:18
